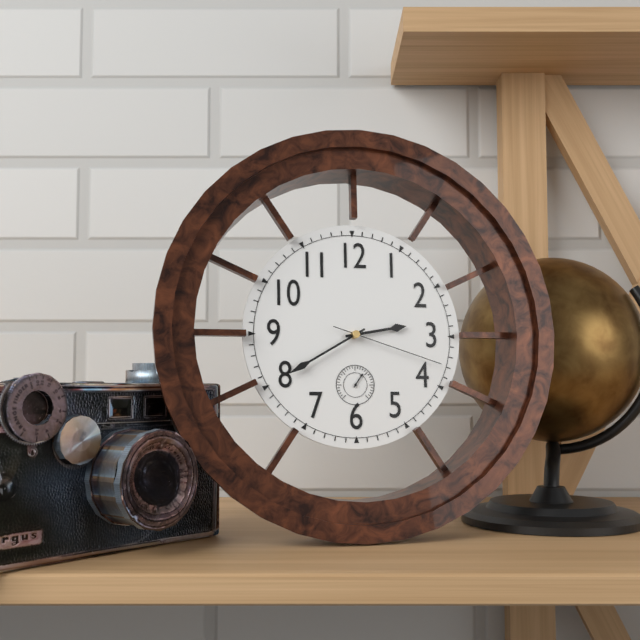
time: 2:40:18
